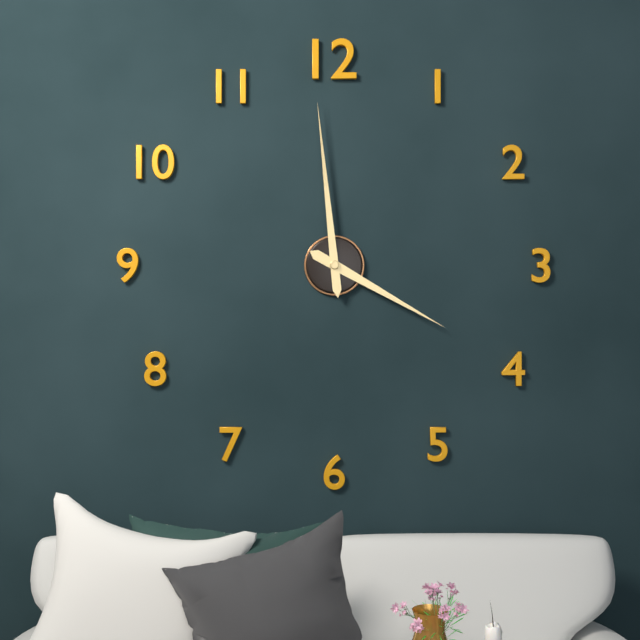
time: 3:59
